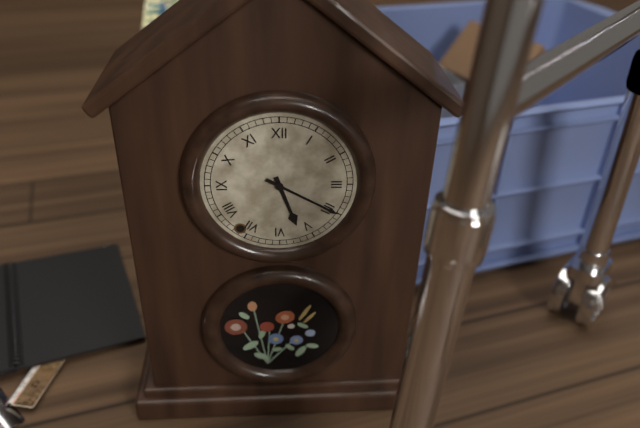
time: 5:20
